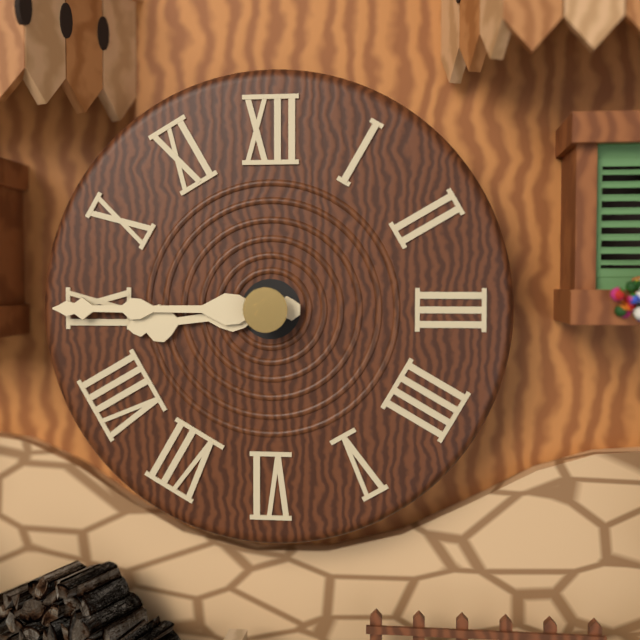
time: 8:45
